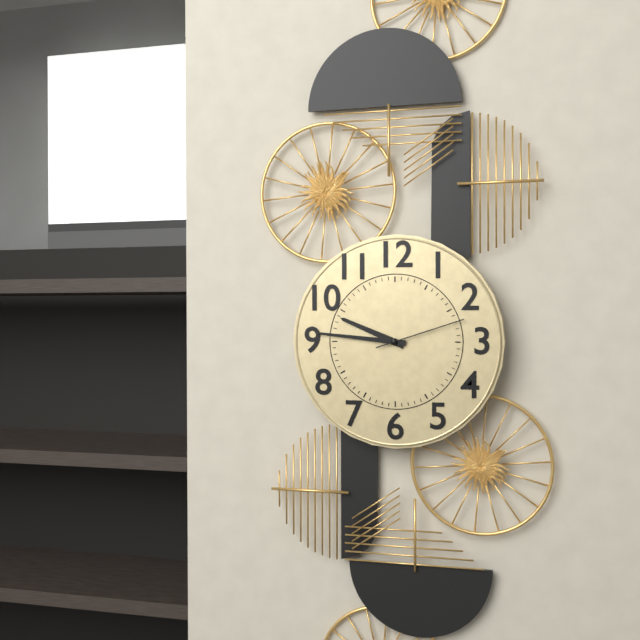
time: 9:46:12
